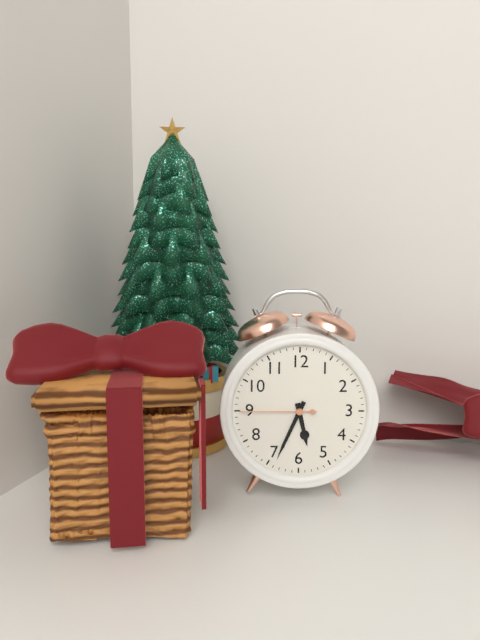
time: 5:34:45
